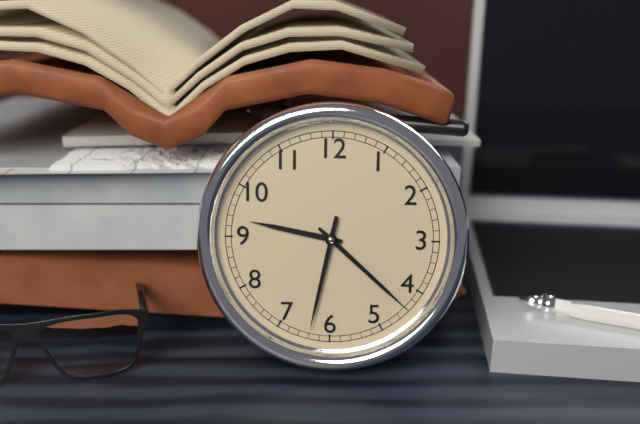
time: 9:22:32
